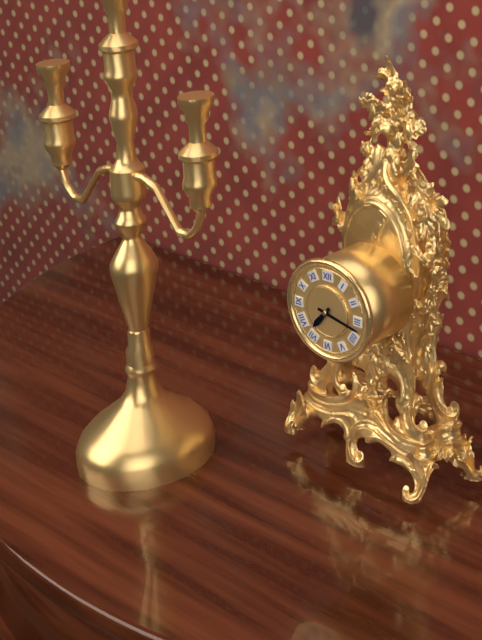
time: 7:17
